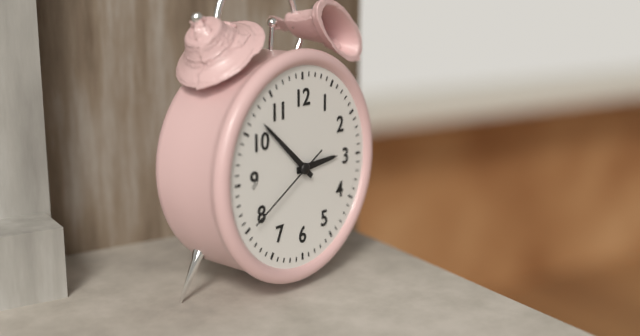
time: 2:52:40
